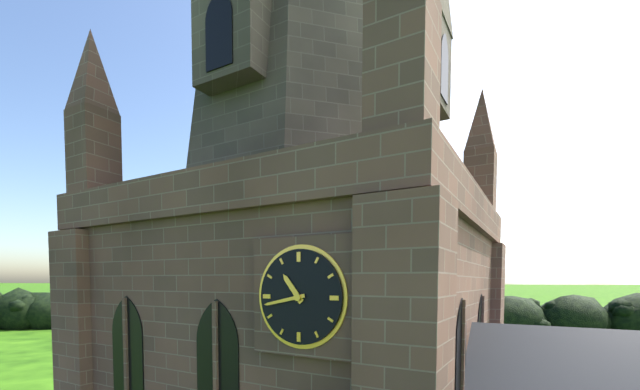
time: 10:43
